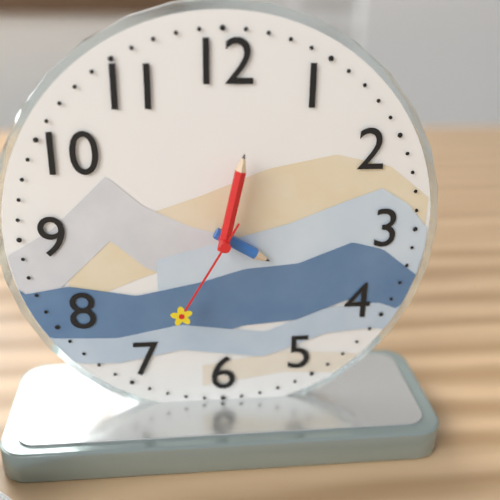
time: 4:02:35
